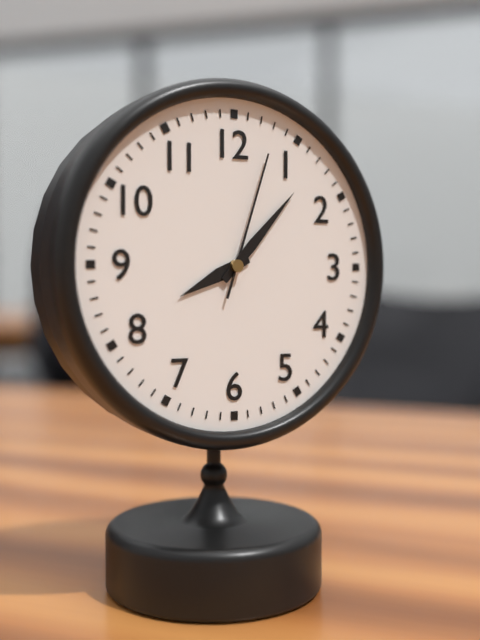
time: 8:07:03
